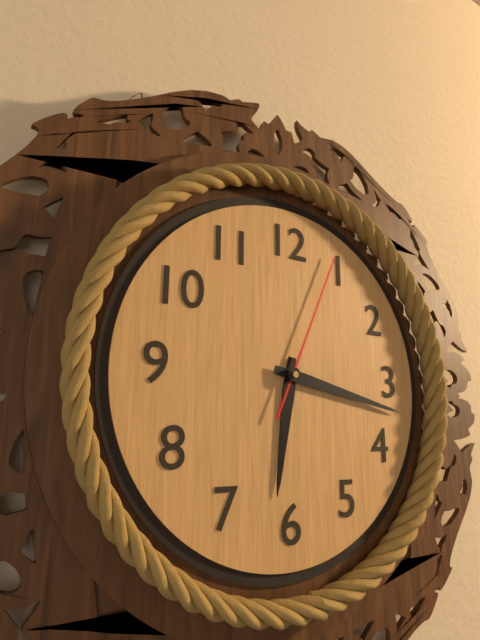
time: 6:17:04
